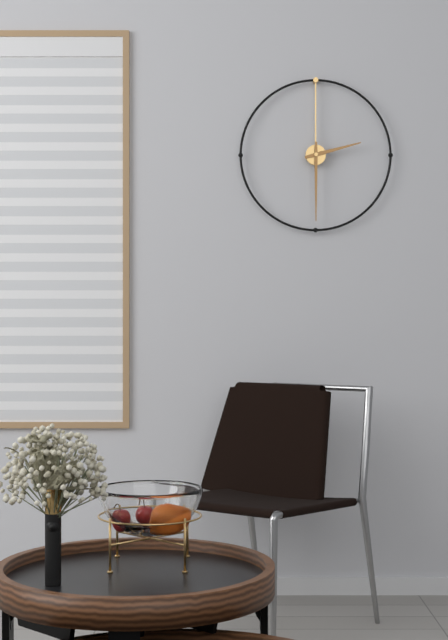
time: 2:30
